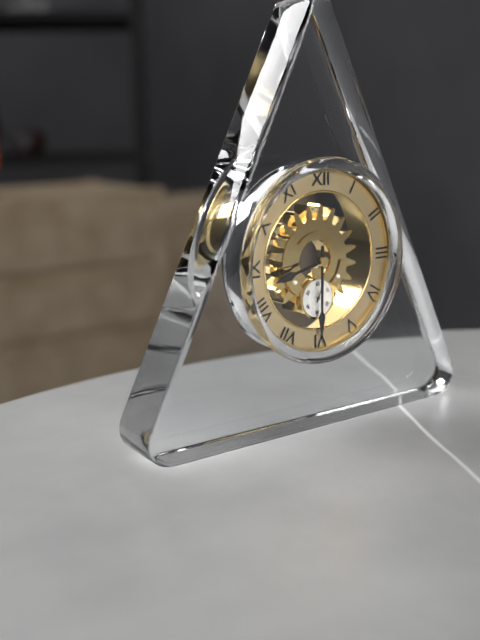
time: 8:30
